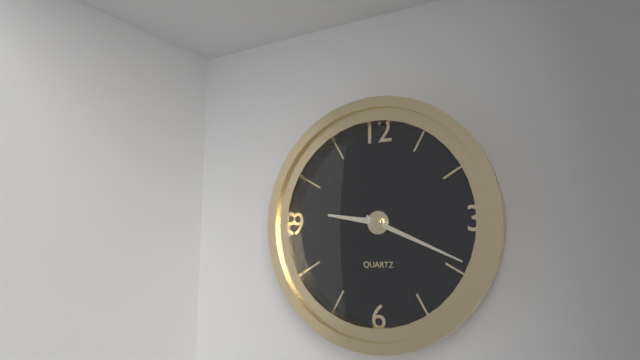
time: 9:19
